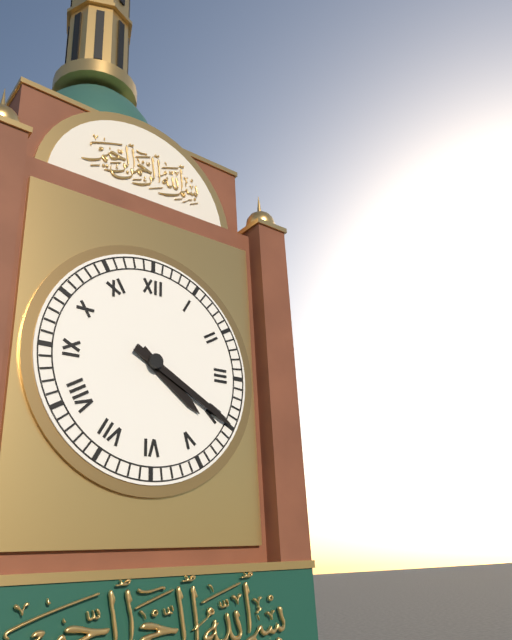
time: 4:20
